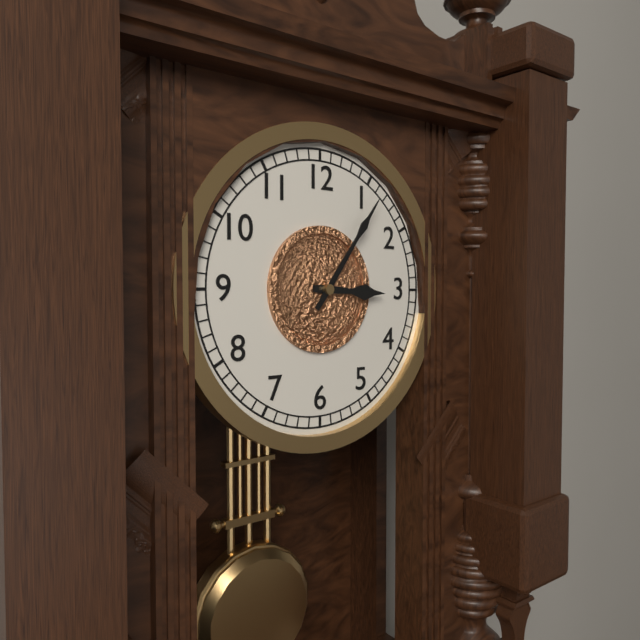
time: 3:06
